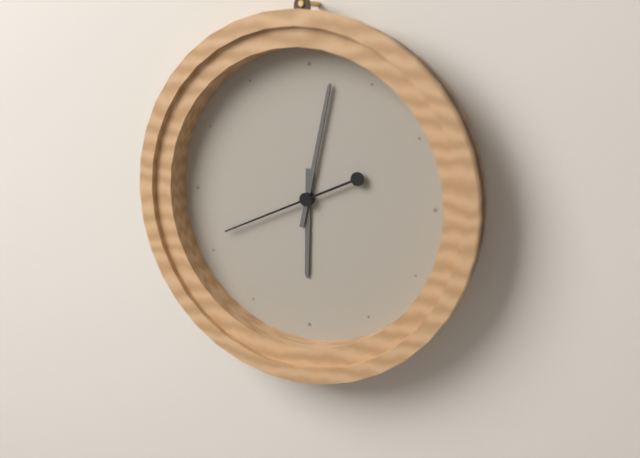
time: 6:02:41
